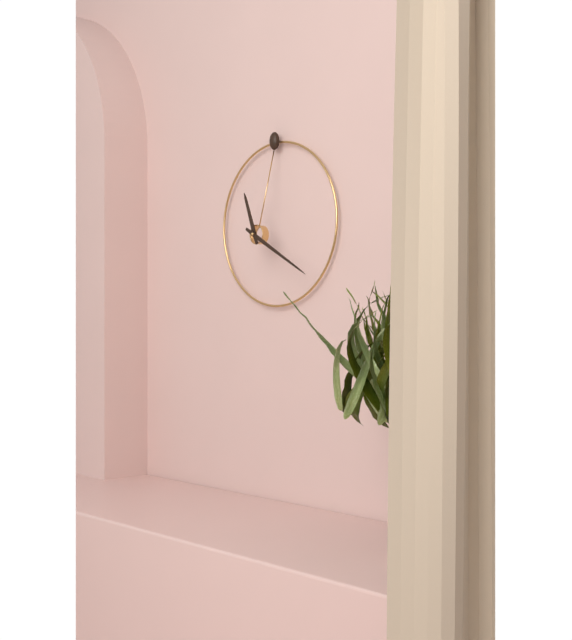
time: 11:20
